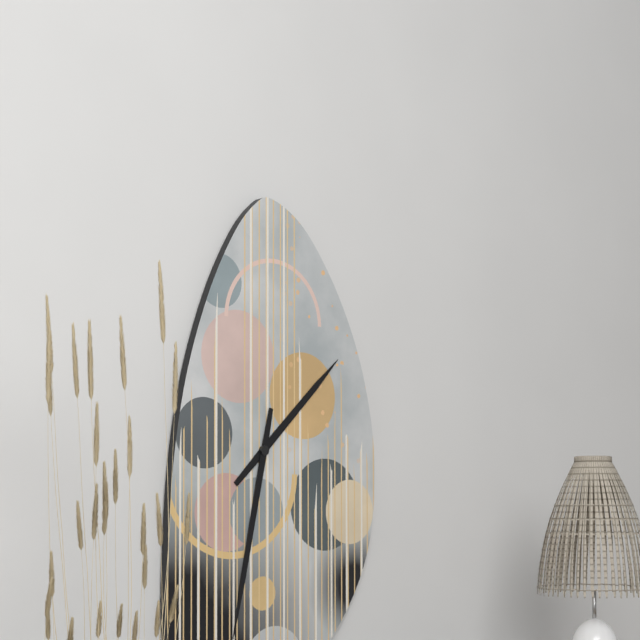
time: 1:32
